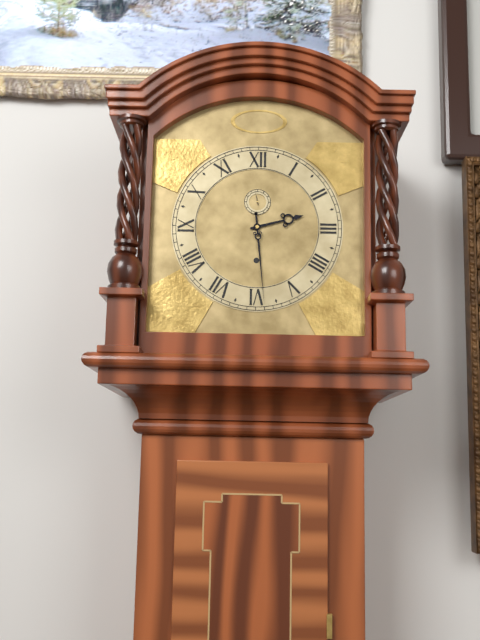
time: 2:29
